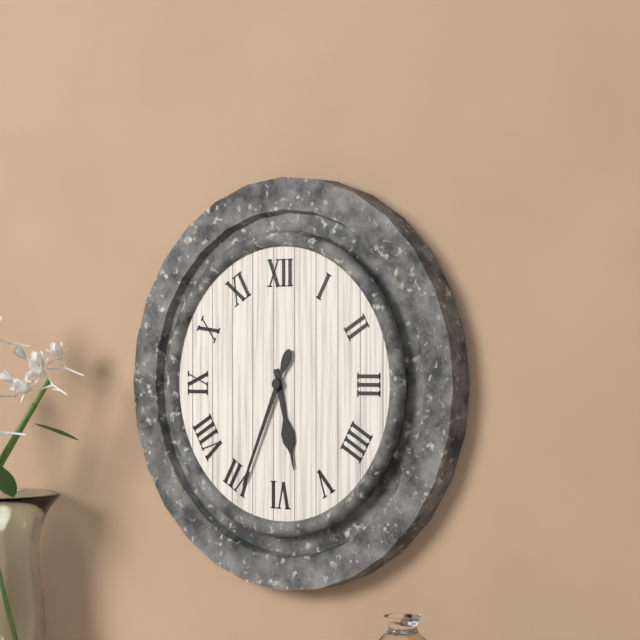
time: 5:34
